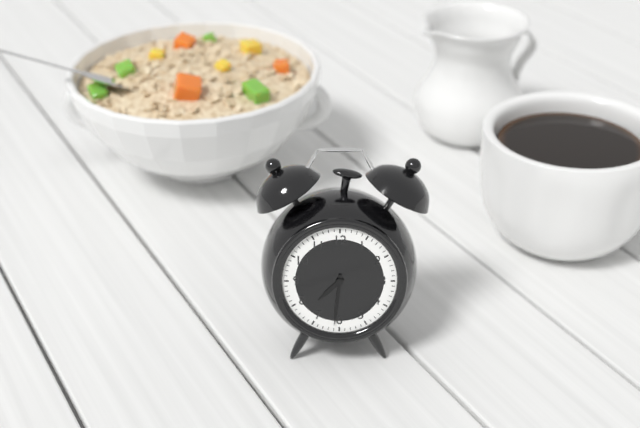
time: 7:31
